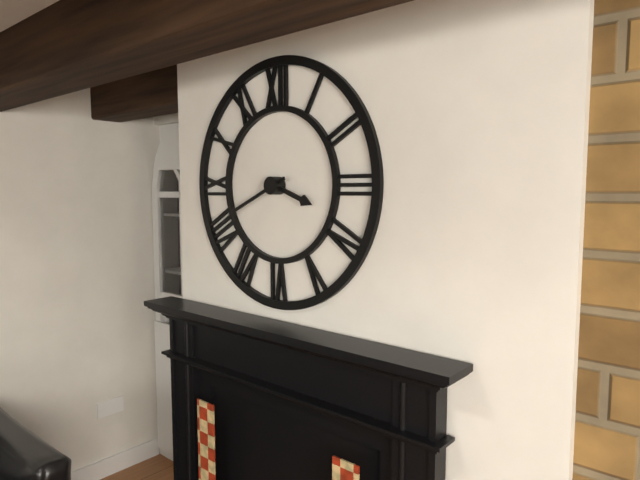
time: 3:41
